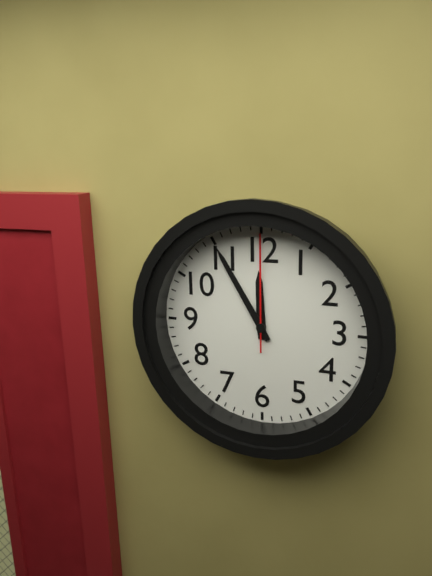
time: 11:55:00
